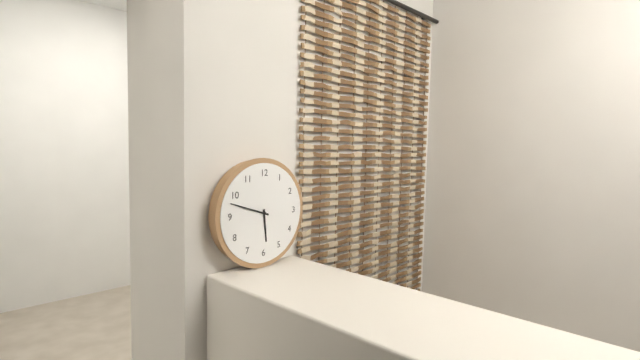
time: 5:48
